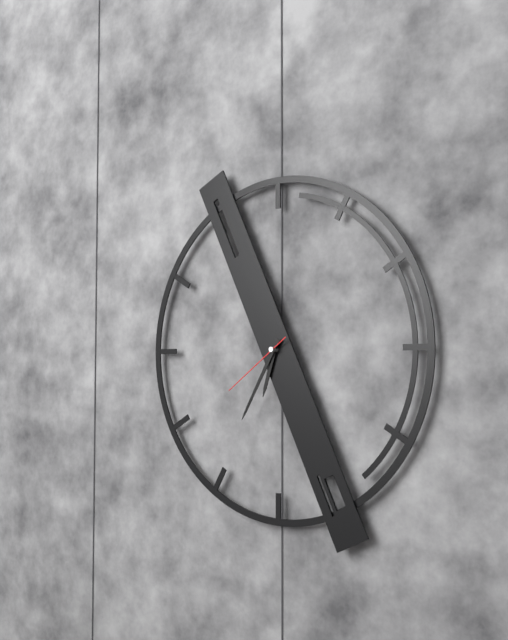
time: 6:35:39
